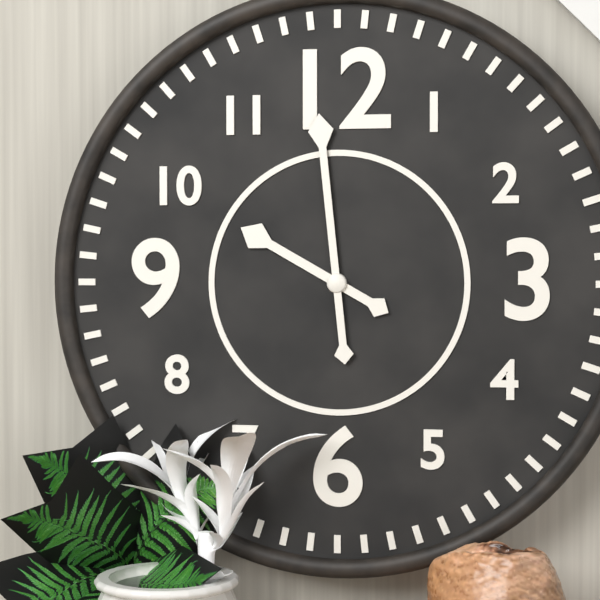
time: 9:59
